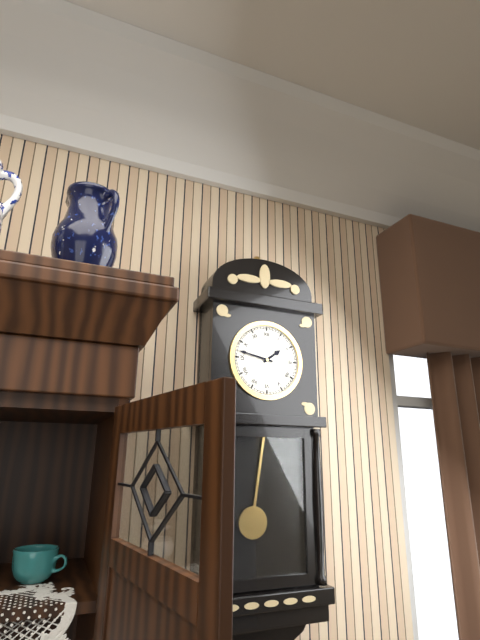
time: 1:47
